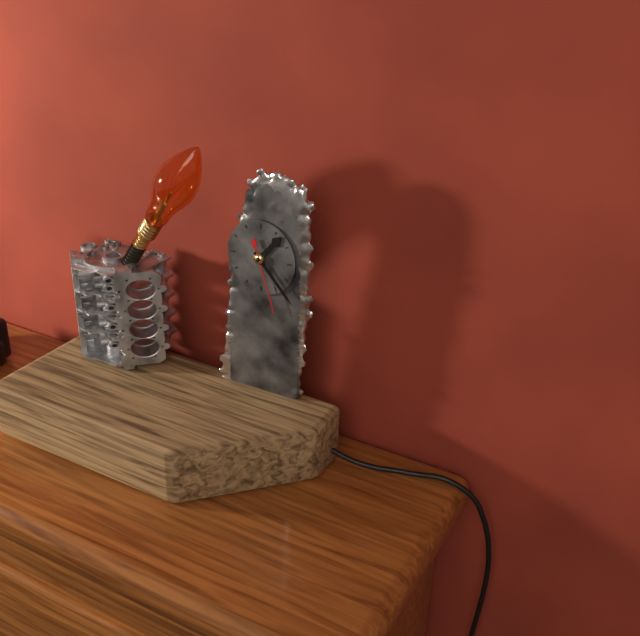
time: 1:23:27
